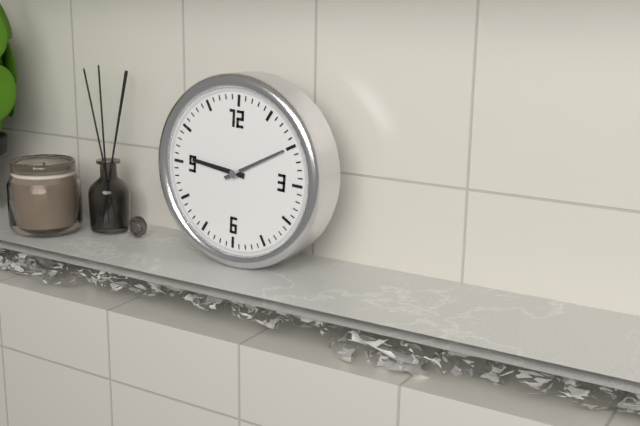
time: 9:10
